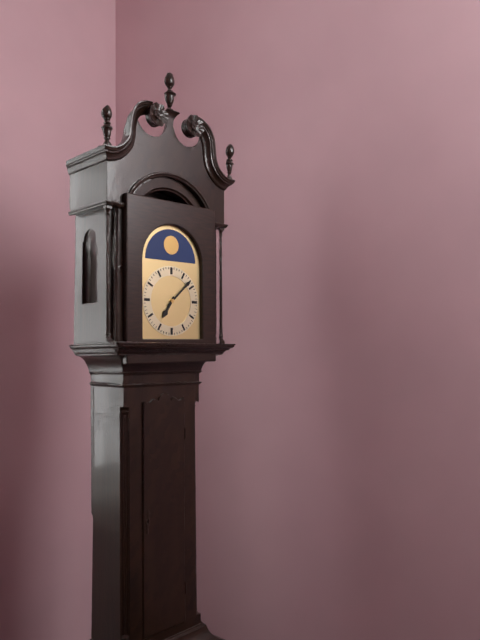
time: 7:08
